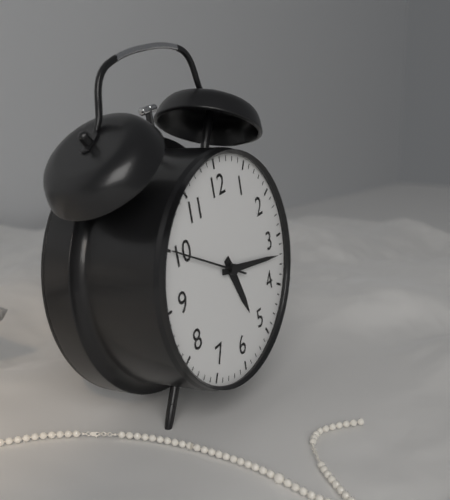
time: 5:17:50
